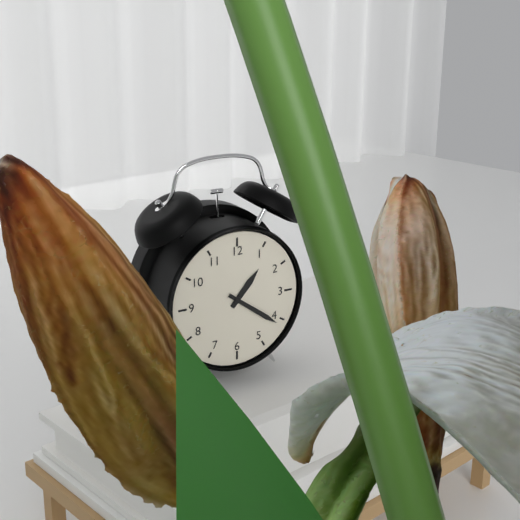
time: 1:21
